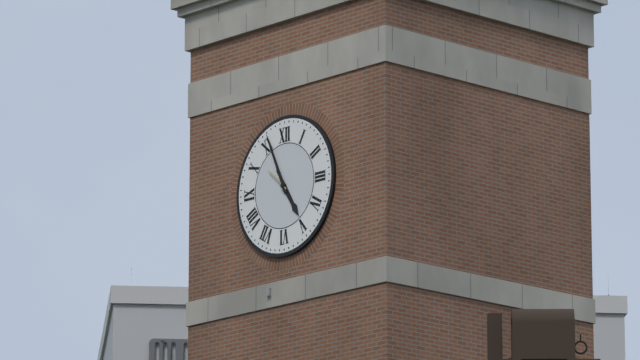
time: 4:56
